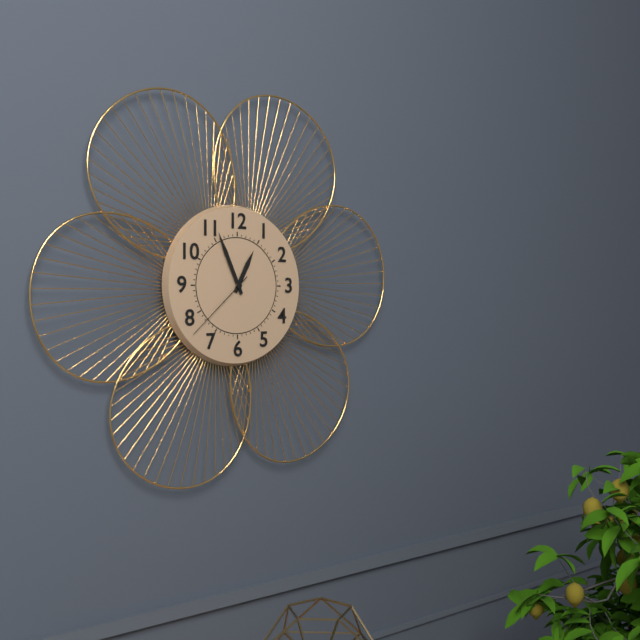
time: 12:56:38
